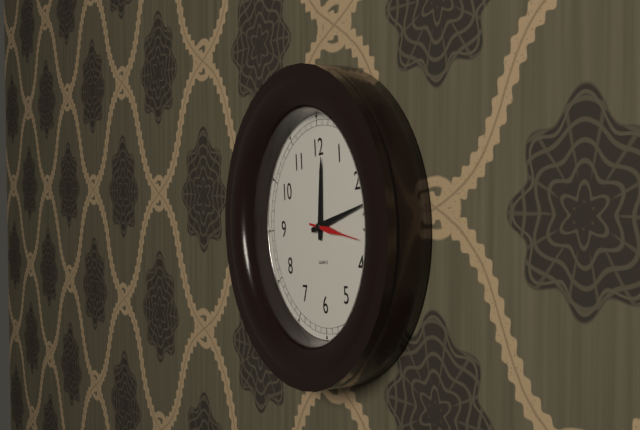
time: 12:13:17
